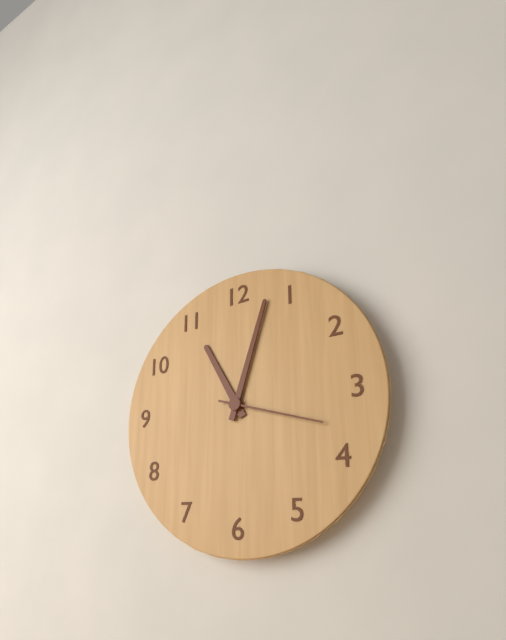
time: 11:03:18
